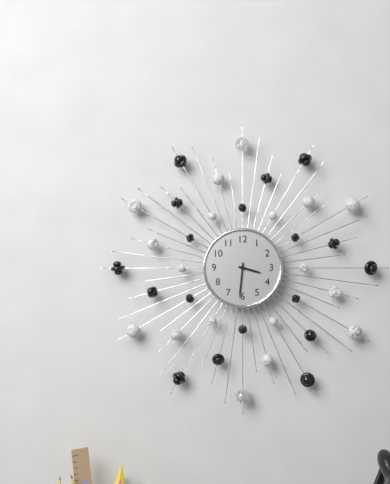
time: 3:31
